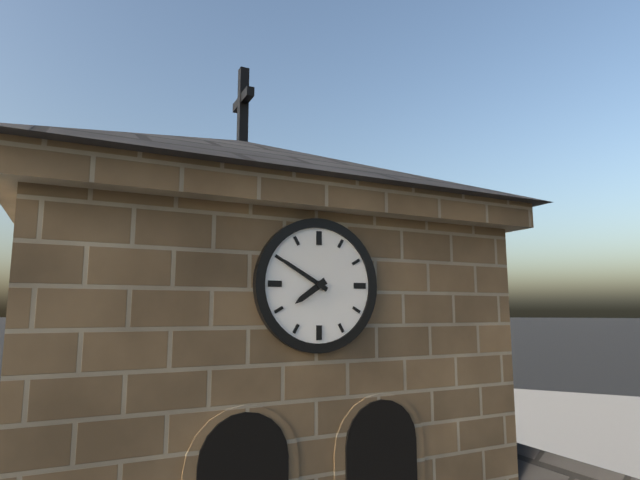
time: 7:50
